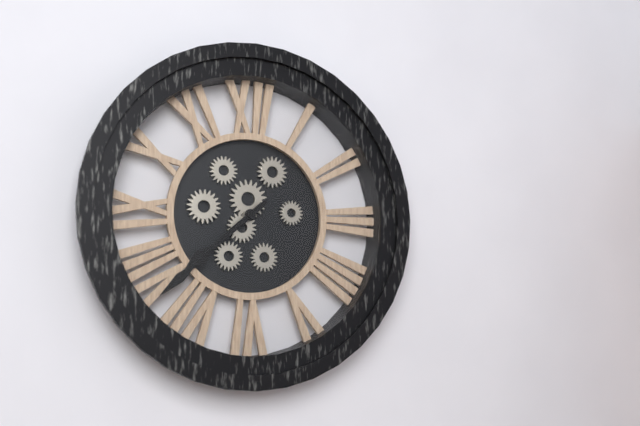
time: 7:38
